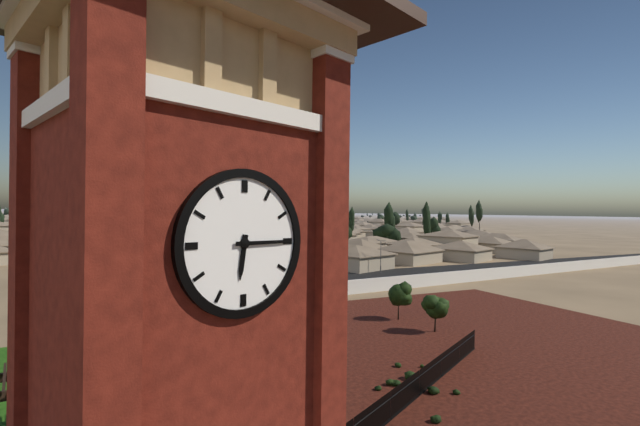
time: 6:15
